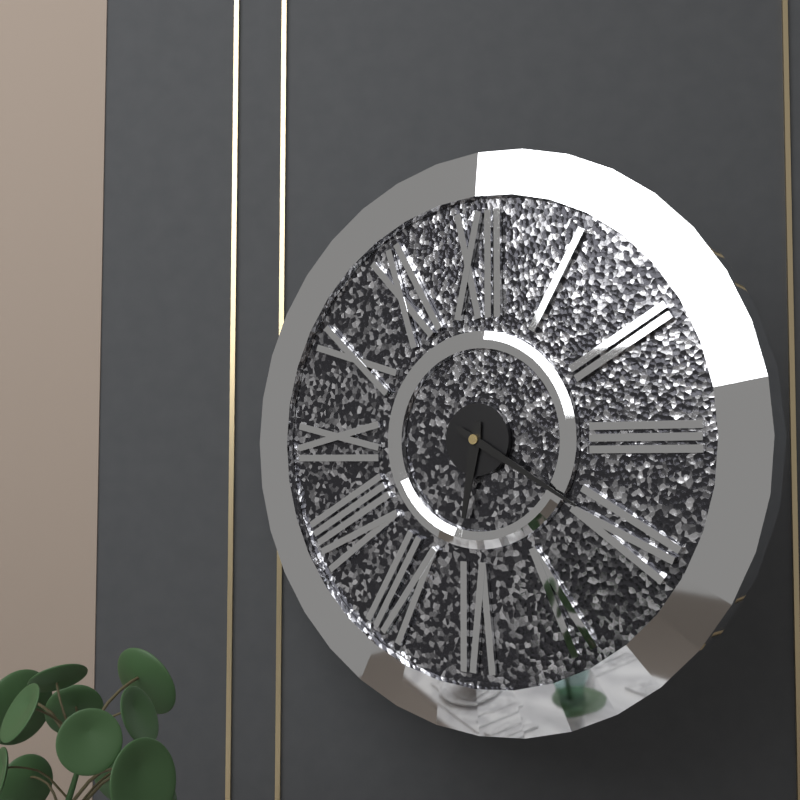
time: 6:20
